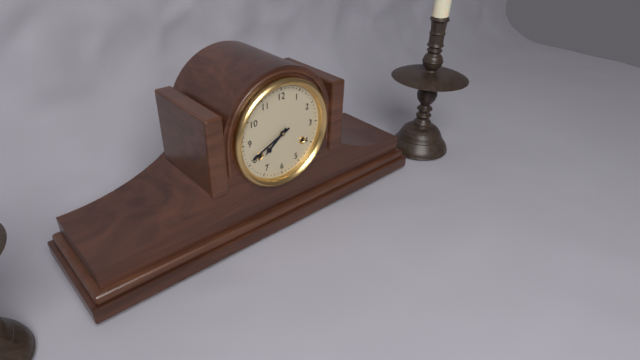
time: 7:41
